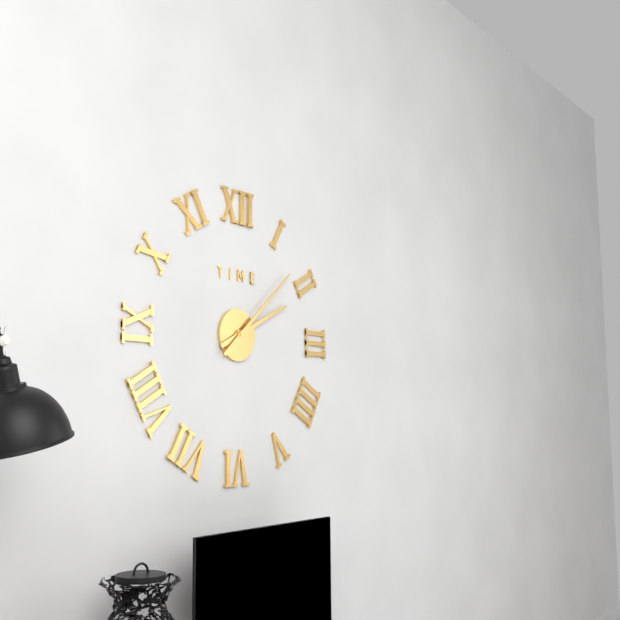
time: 2:08
